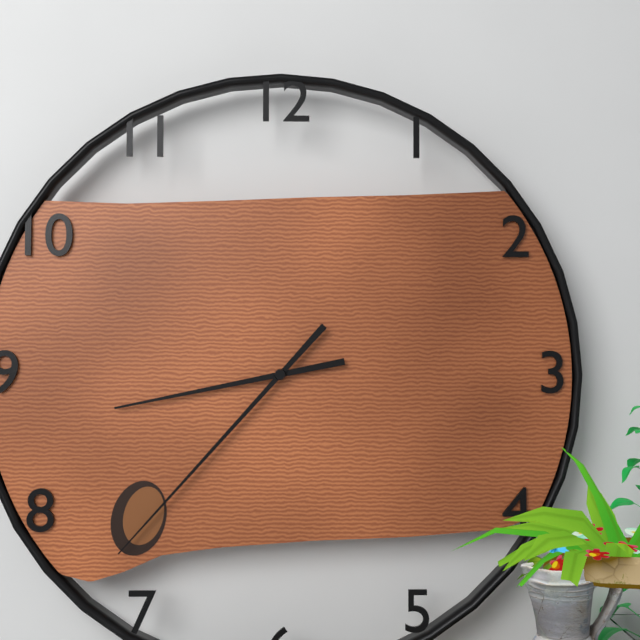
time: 8:37
